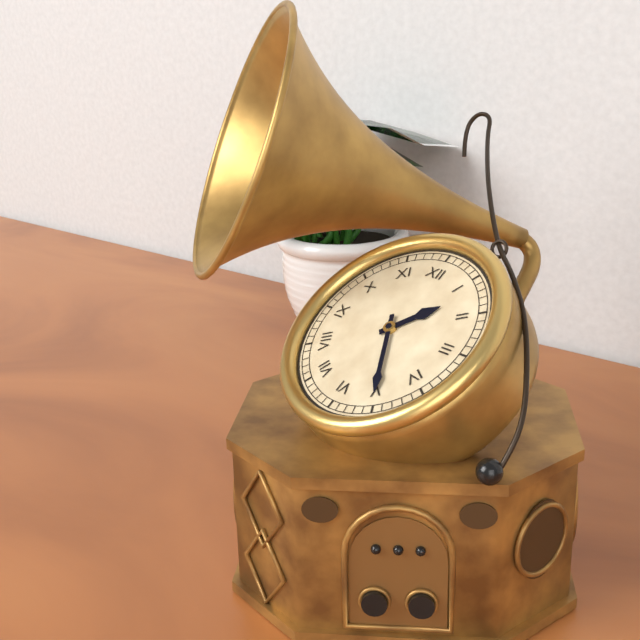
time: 1:25
